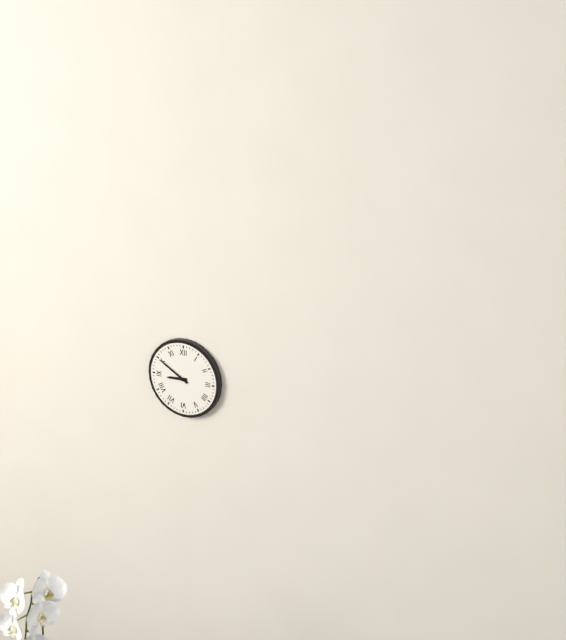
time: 8:50
